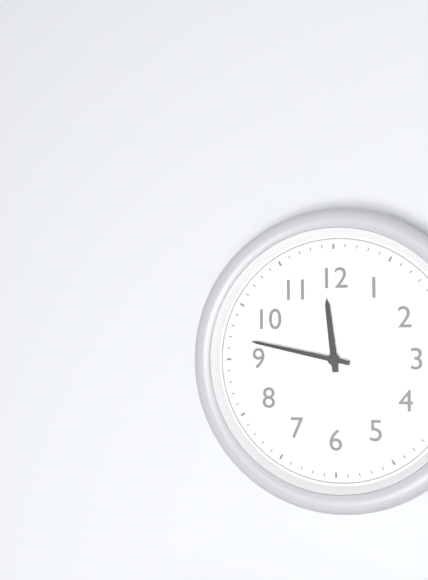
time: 11:47
